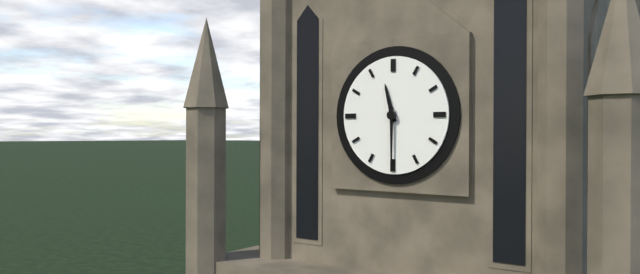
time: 11:30
